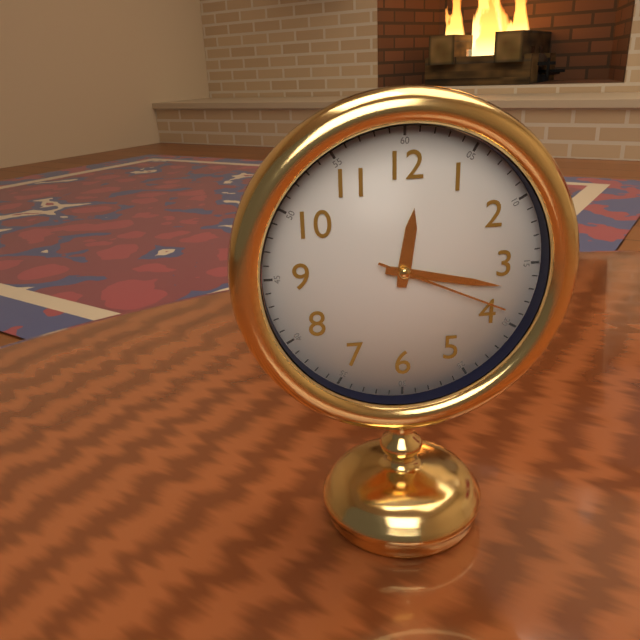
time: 12:17:19
